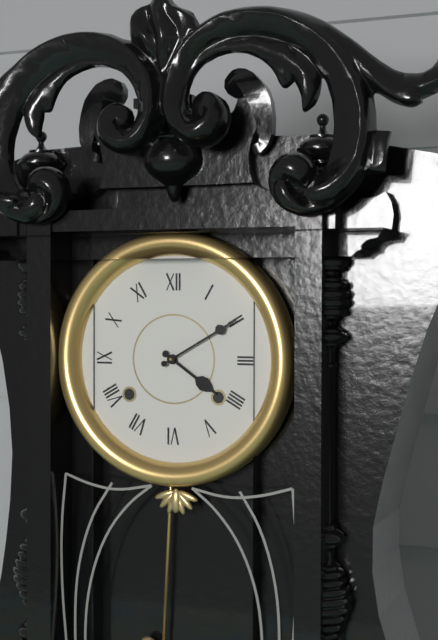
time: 4:10
